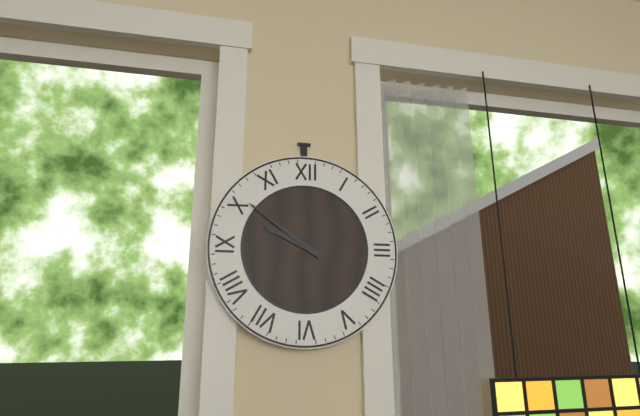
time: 9:51
